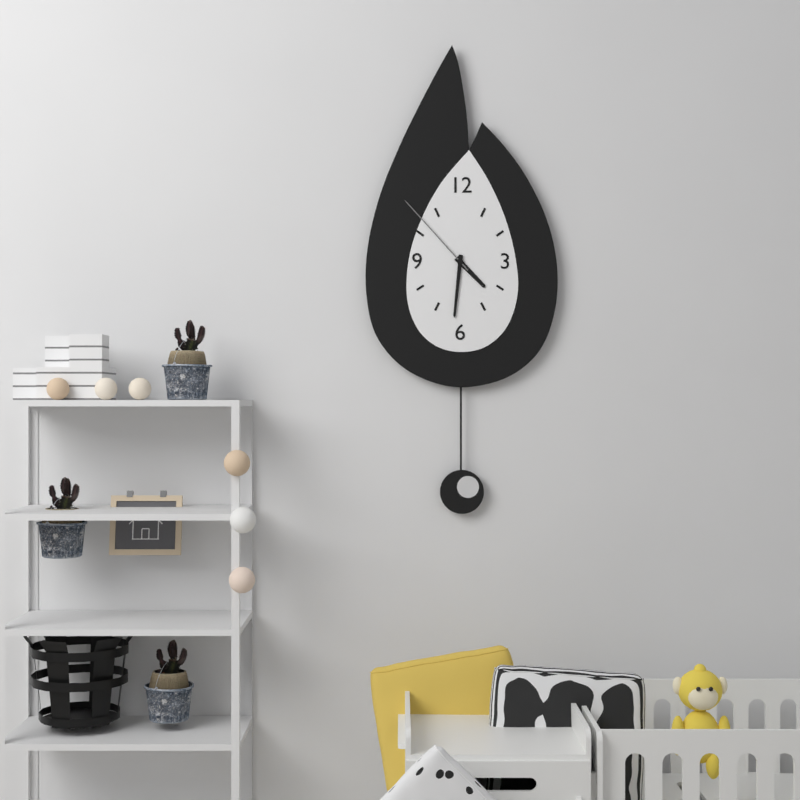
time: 4:31:53
